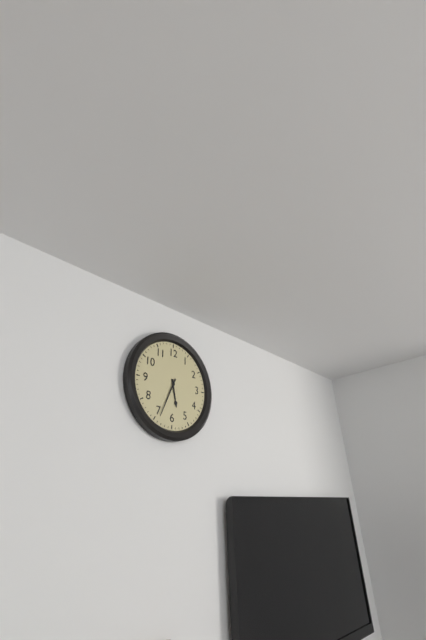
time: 5:34
